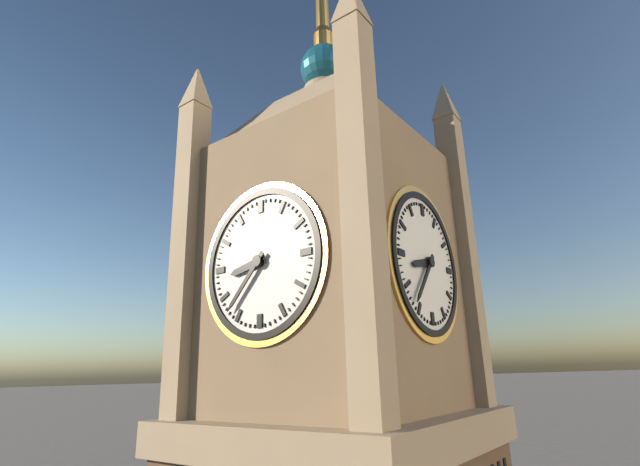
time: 8:37
